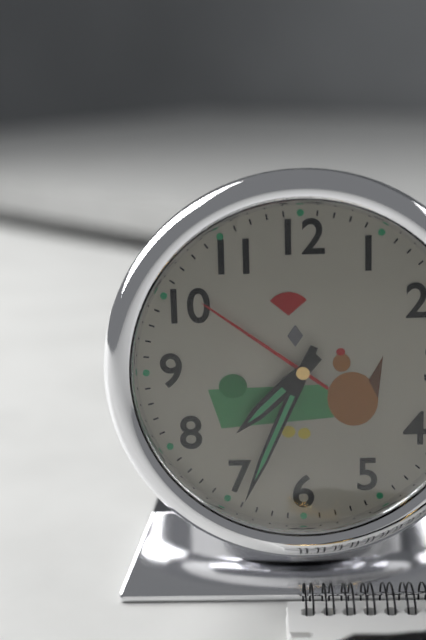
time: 7:34
